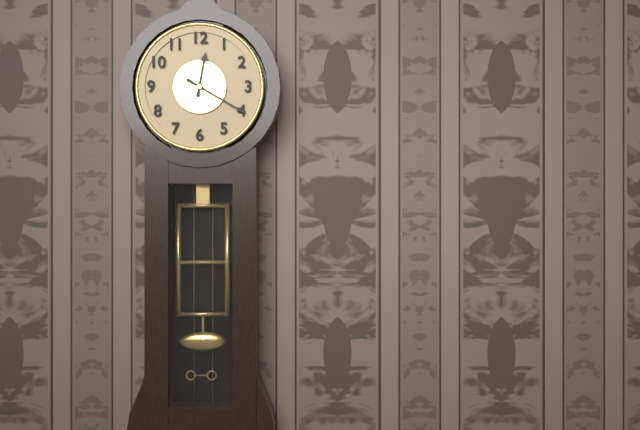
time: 12:20
